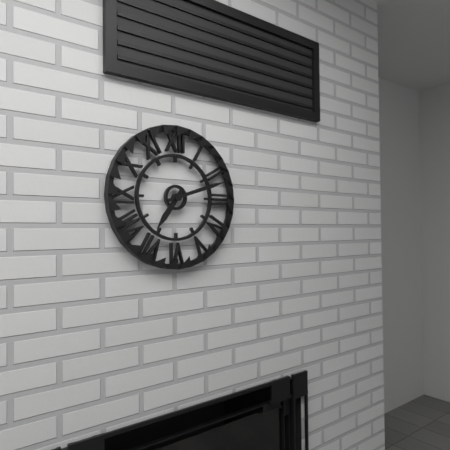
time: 7:12
